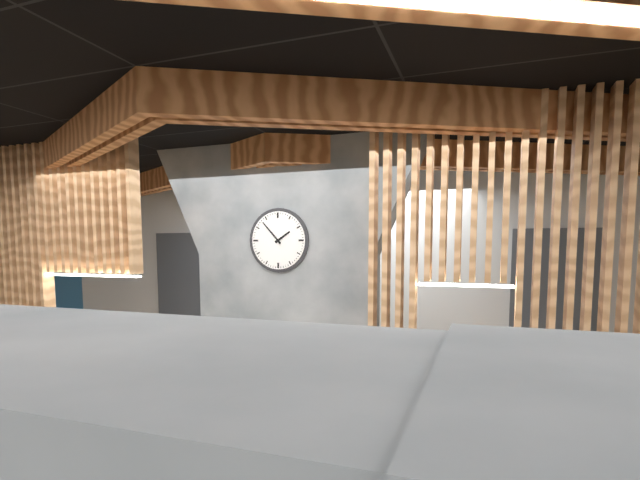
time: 1:53
